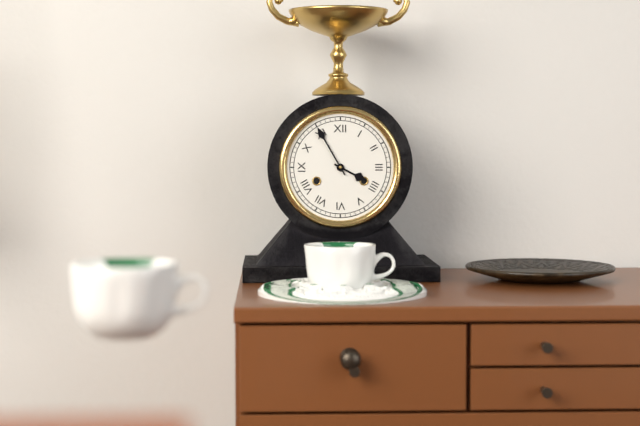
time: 3:55
